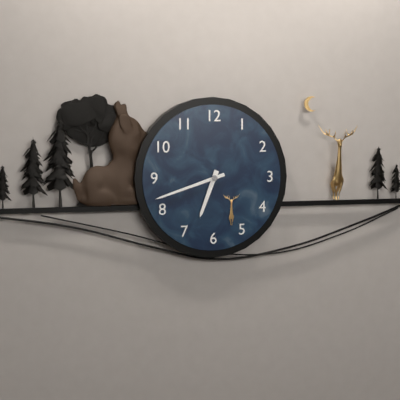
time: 6:42
